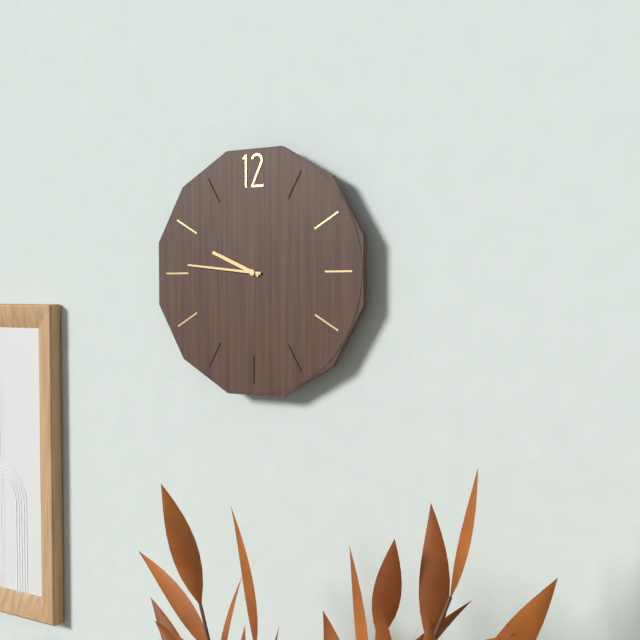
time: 9:46
